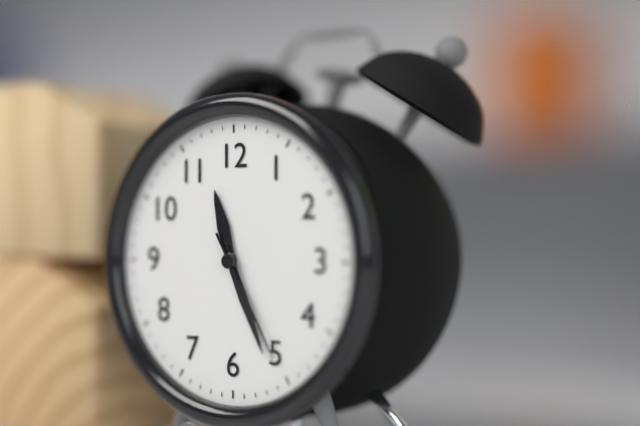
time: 11:26:25
